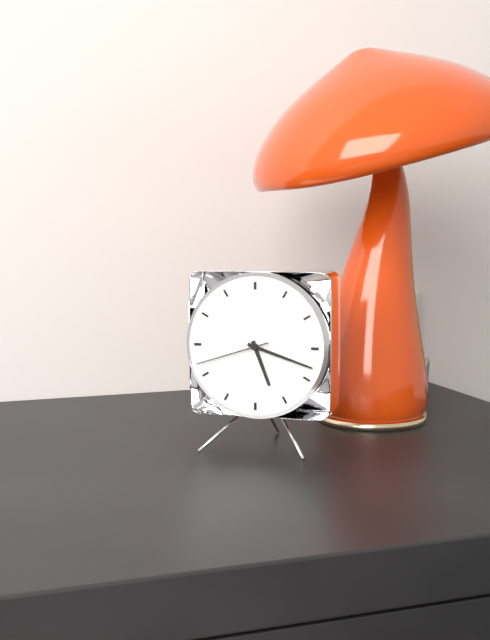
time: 5:18:42
